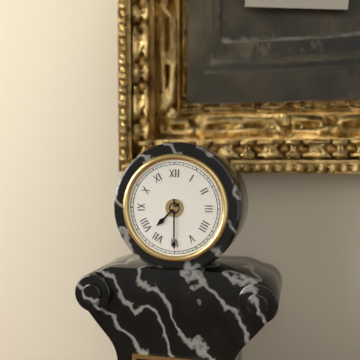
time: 7:30
